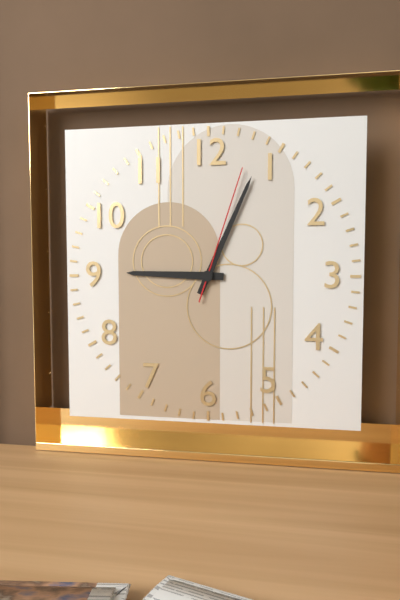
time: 9:04:03
